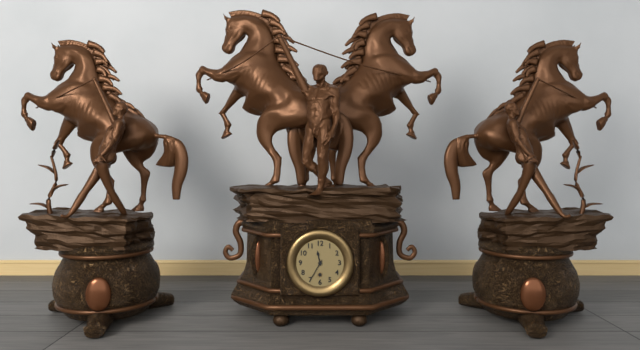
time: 11:35
